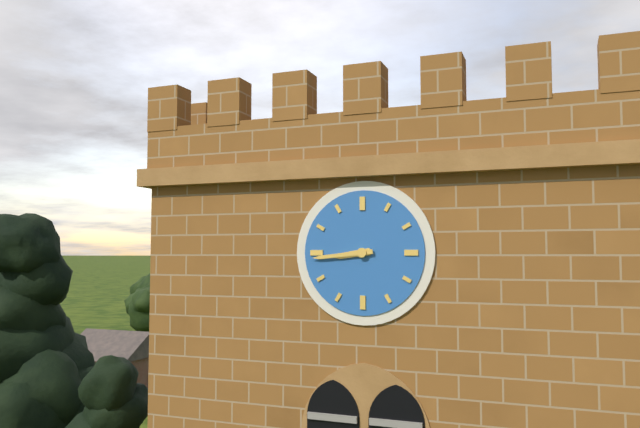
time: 8:44
